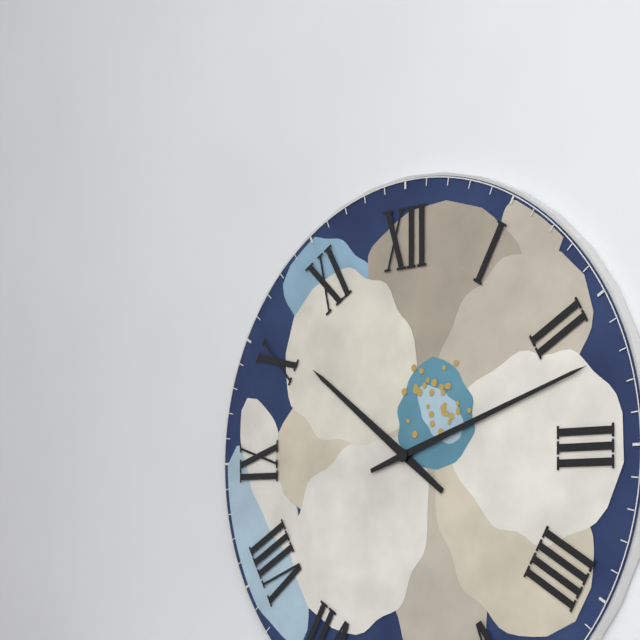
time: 10:12
